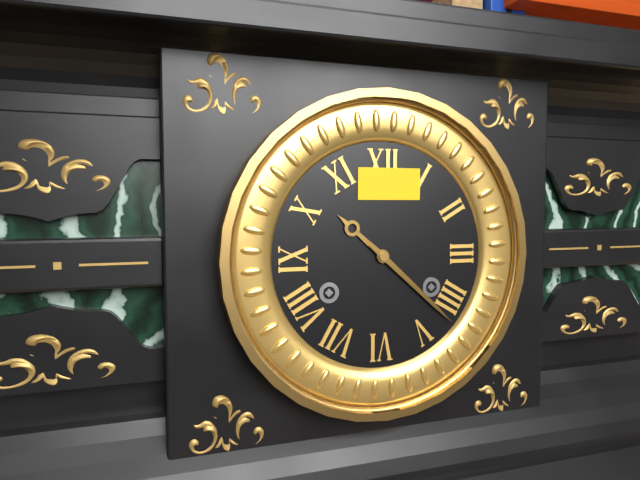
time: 10:22
